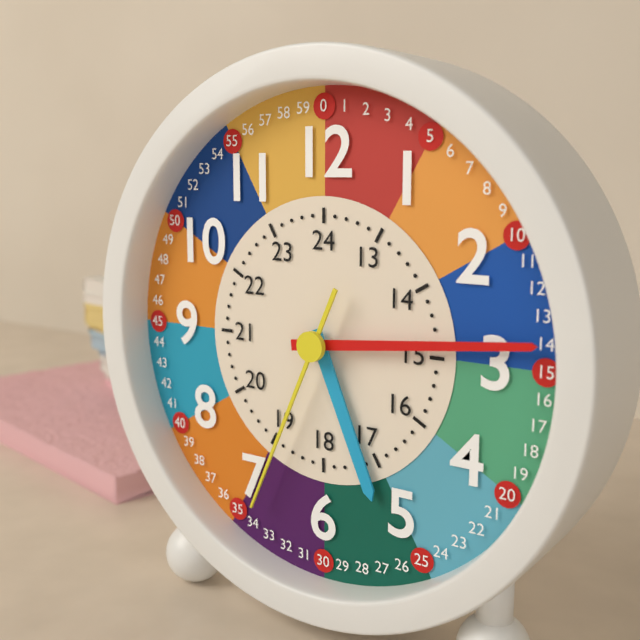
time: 5:14:34
